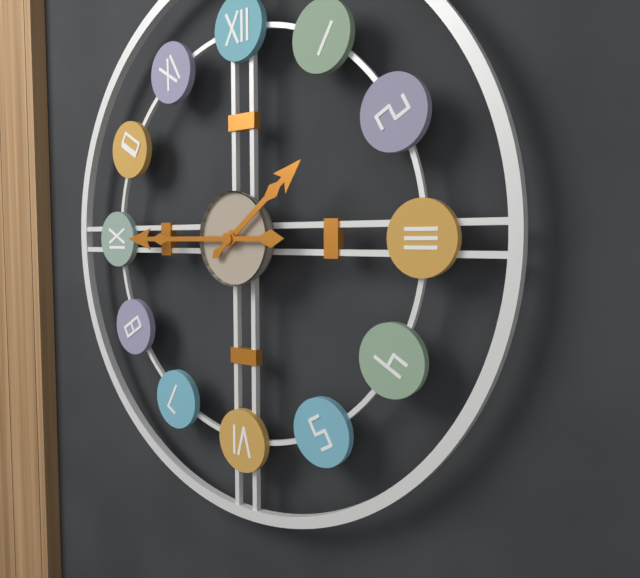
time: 1:45
